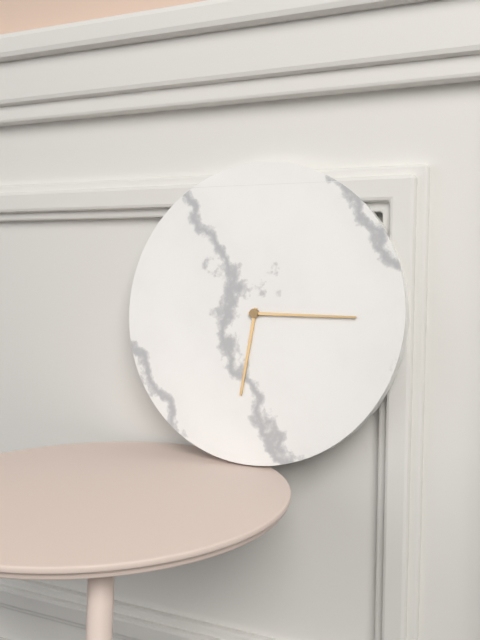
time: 6:15
